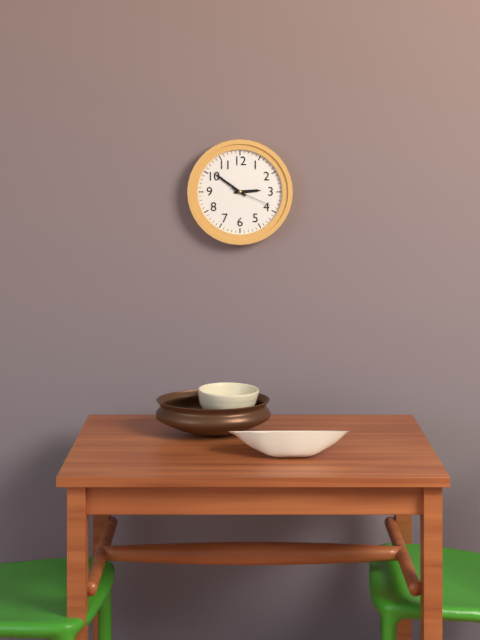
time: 2:51
